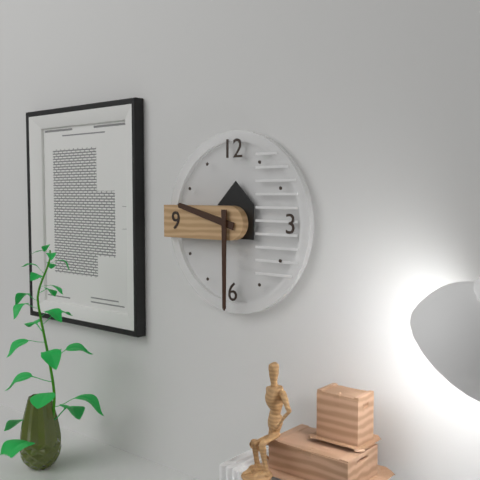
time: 9:30
